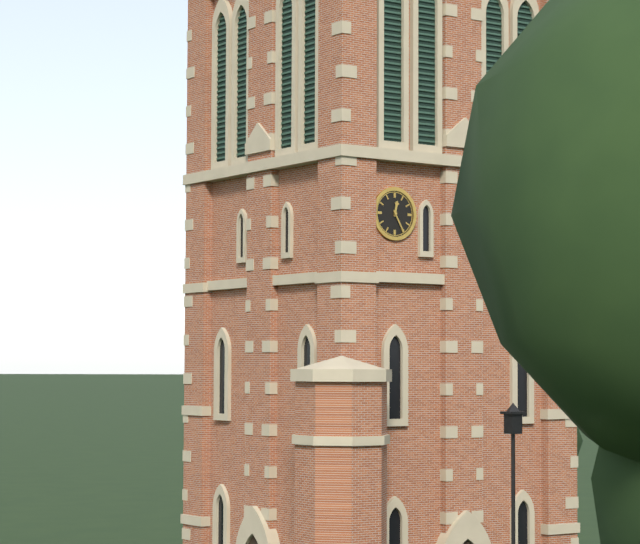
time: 12:25
